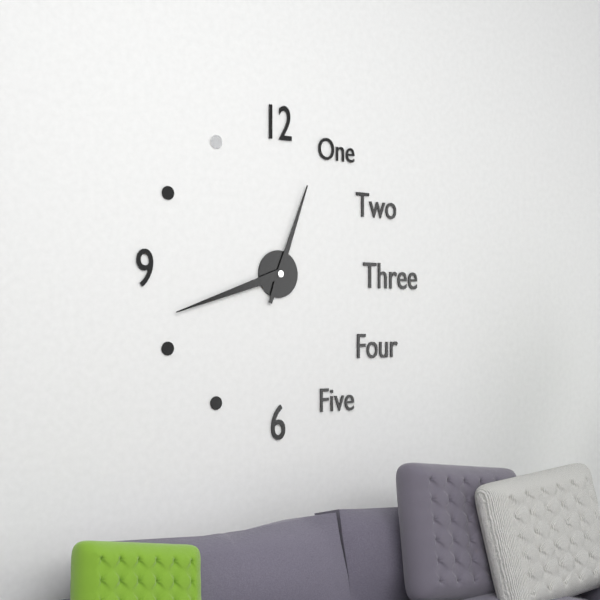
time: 12:42
